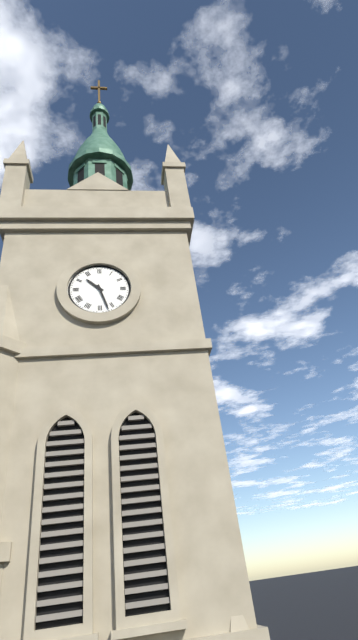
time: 10:27
